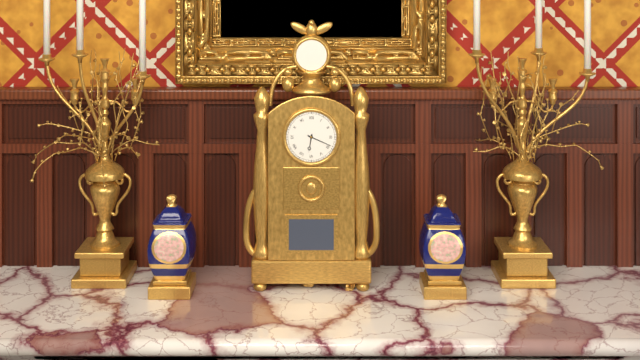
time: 6:19
